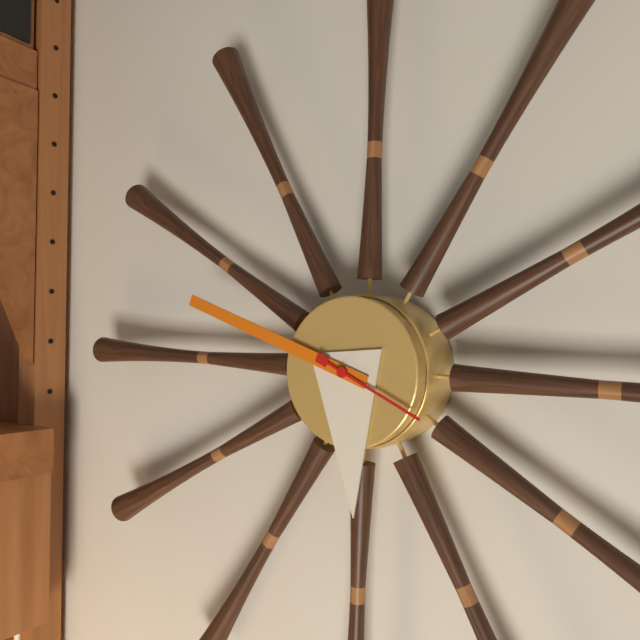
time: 5:48:19
